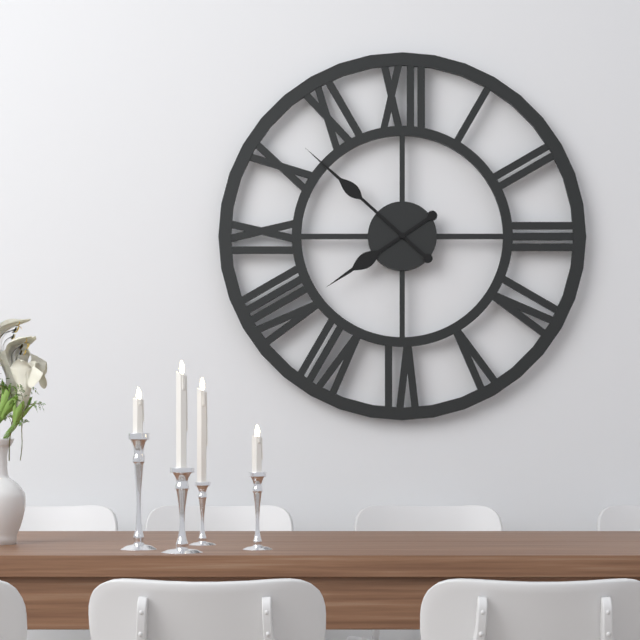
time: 7:52
